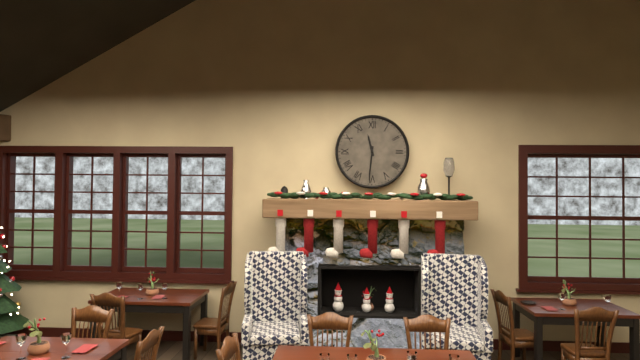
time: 11:31
